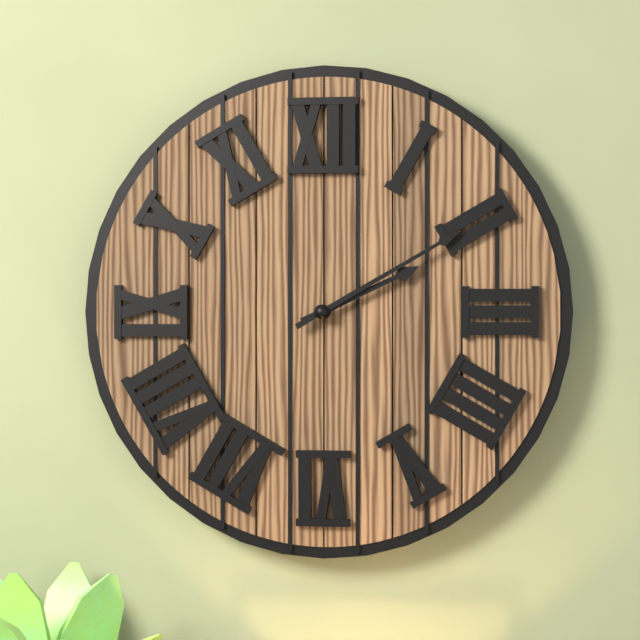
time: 2:10
